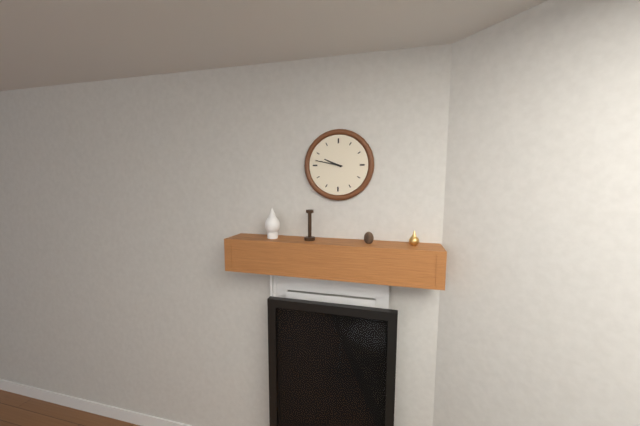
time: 9:47
